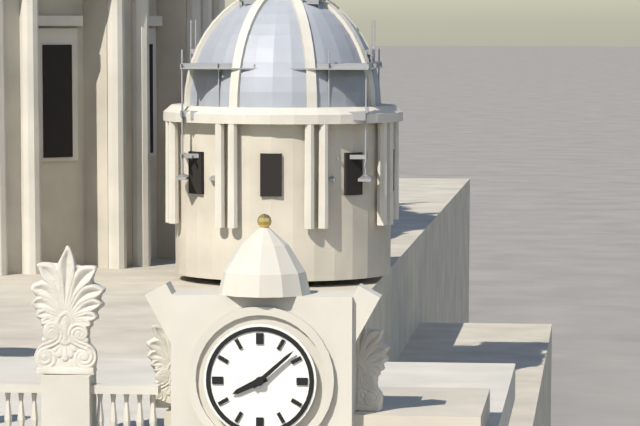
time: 8:08
